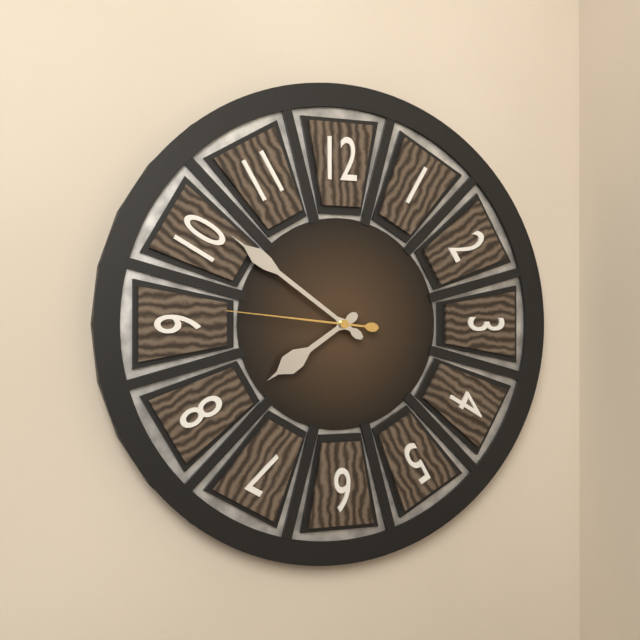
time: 7:51:46
